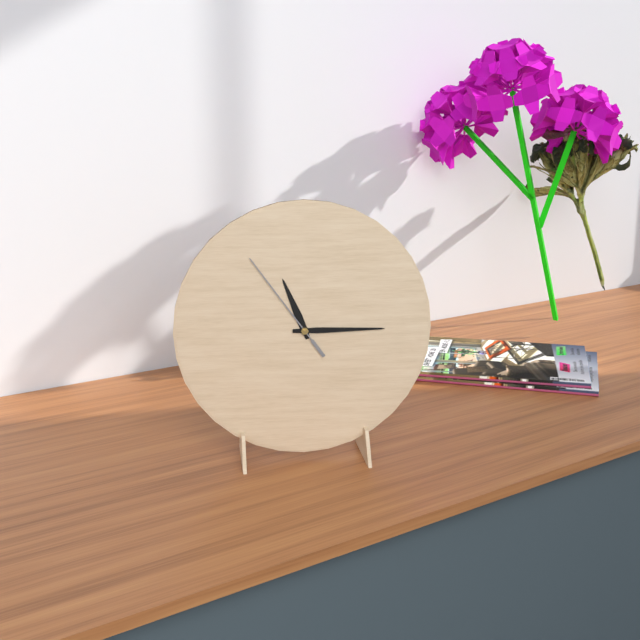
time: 11:15:54
